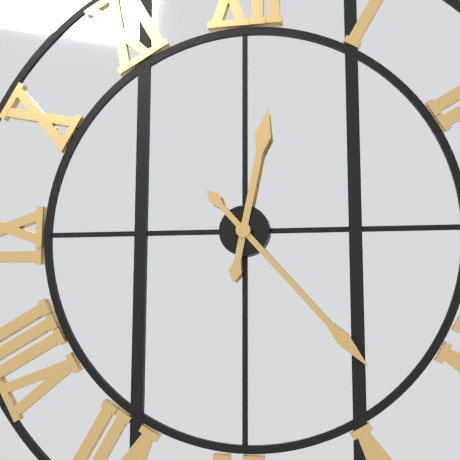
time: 12:23
